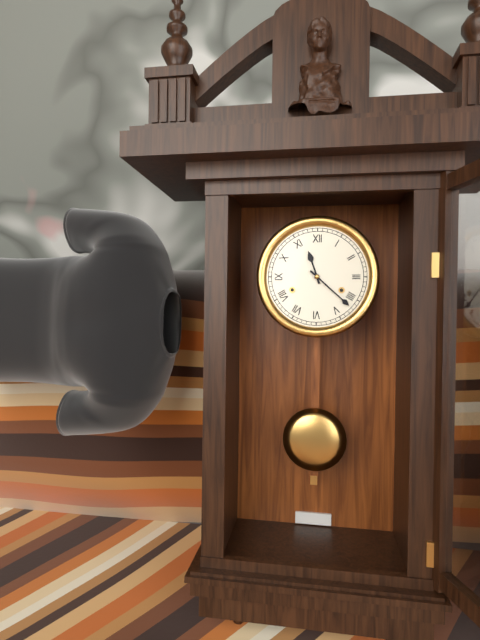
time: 11:22
